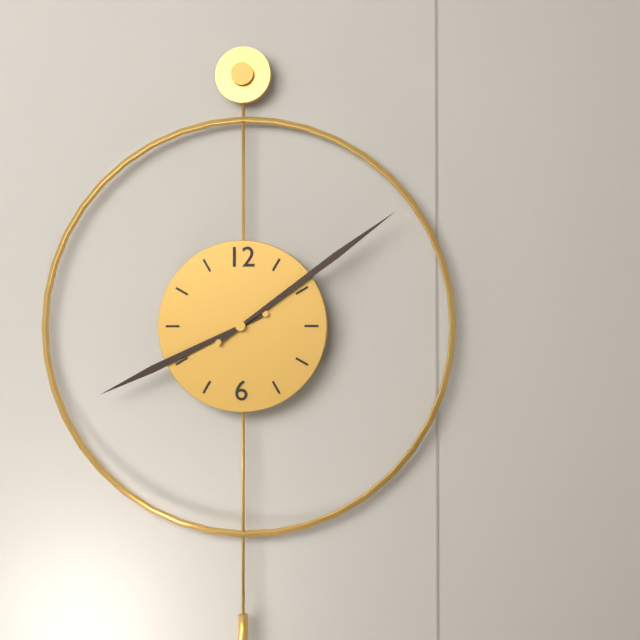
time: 8:09
